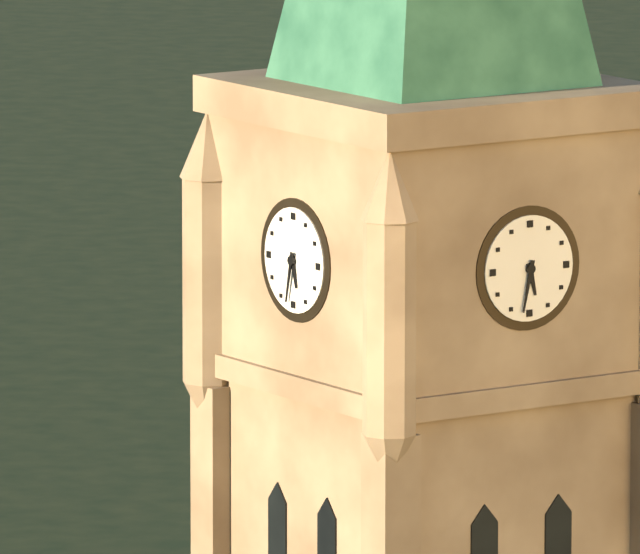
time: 5:32
